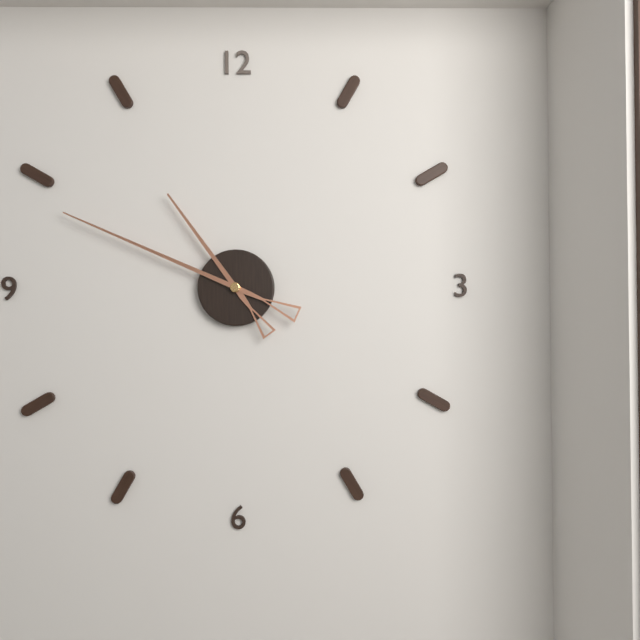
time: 10:49
